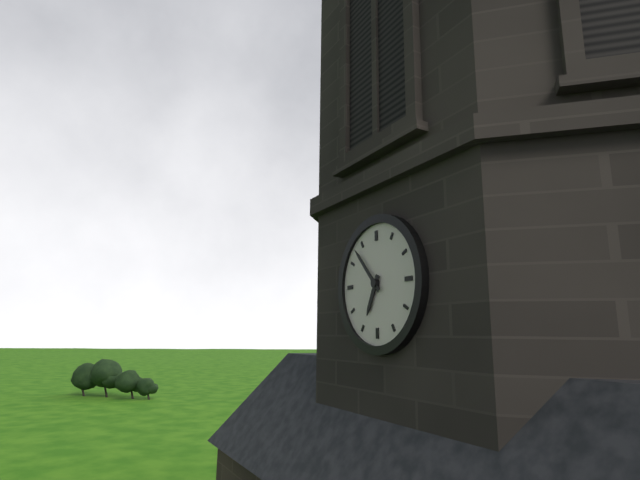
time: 6:53
